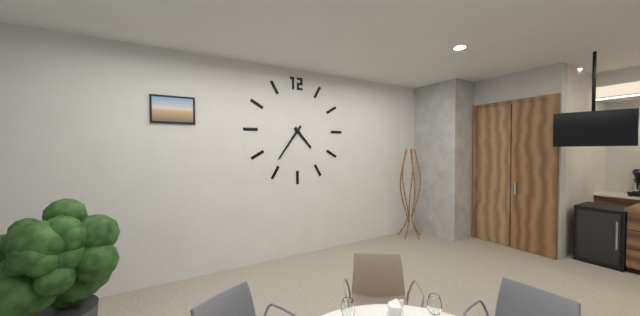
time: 4:36
